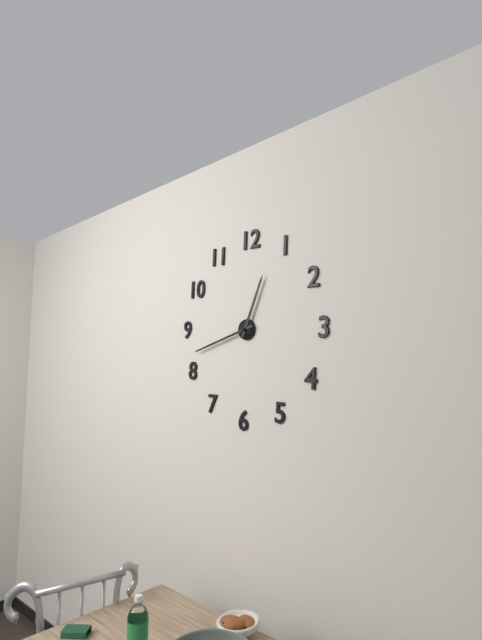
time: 12:42
